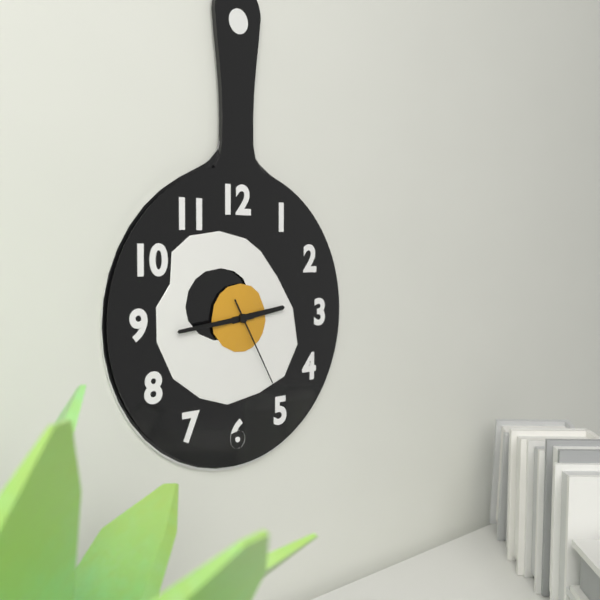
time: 2:44:25
